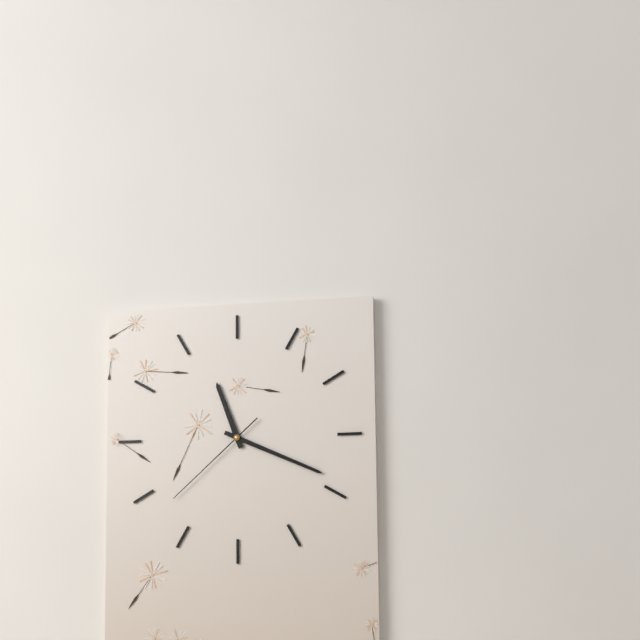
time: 11:19:38
